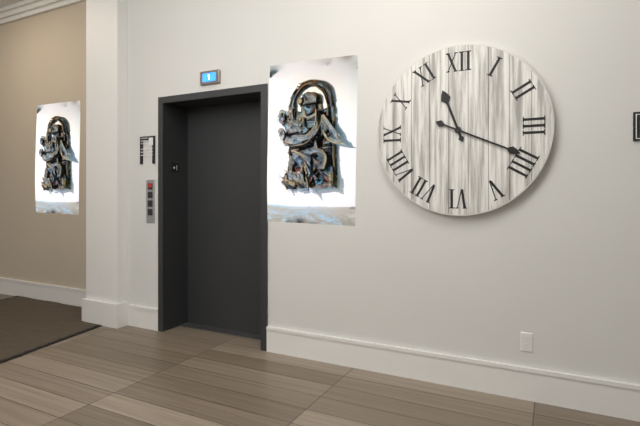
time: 11:19
